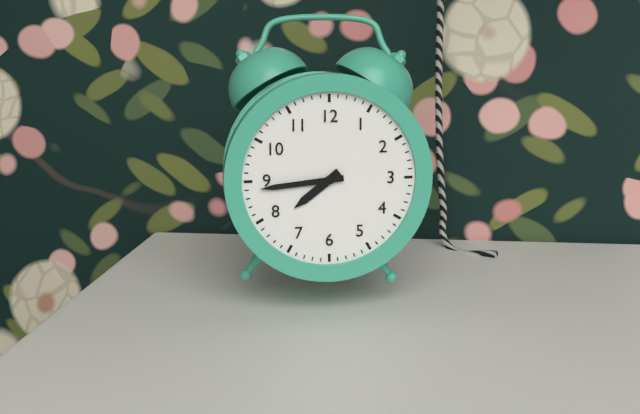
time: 7:44
